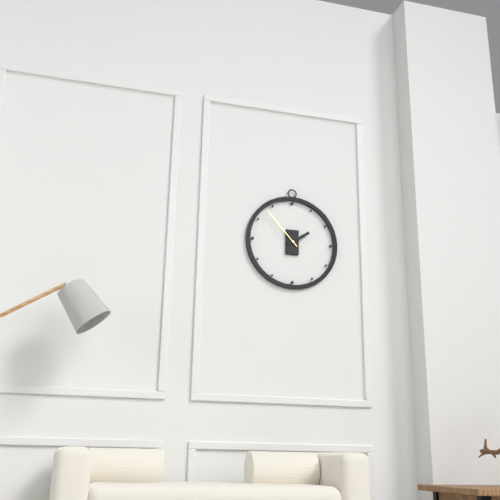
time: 1:53
